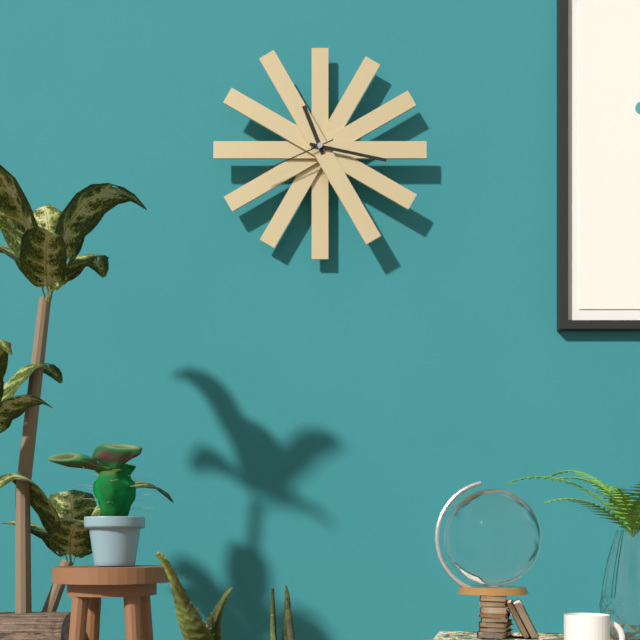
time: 11:17:41
